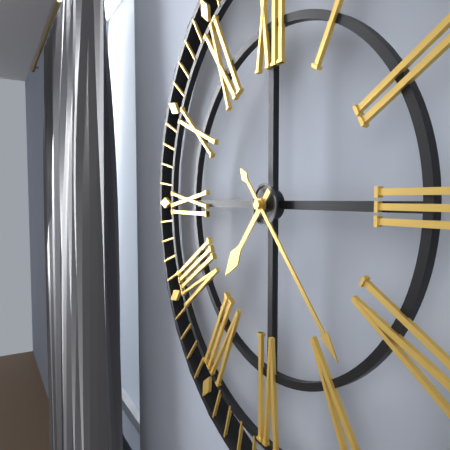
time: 7:23
